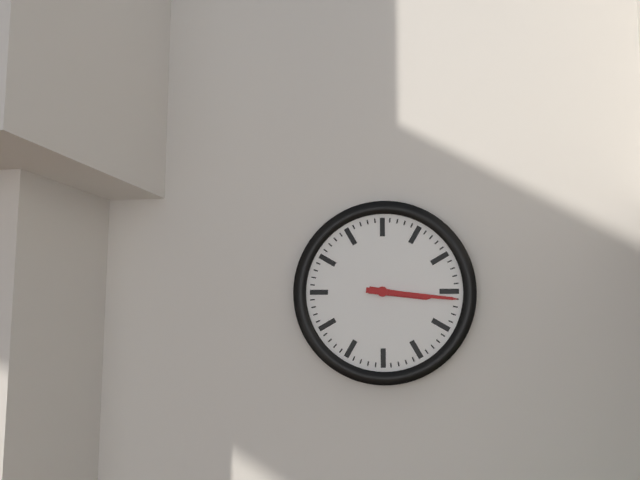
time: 3:16
